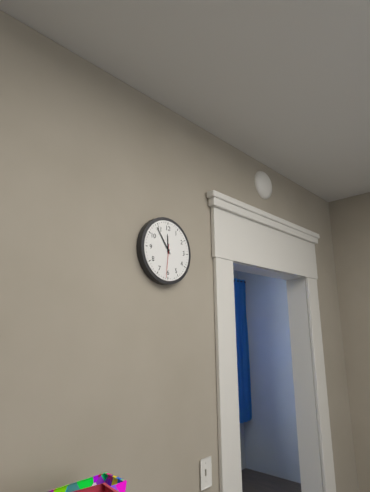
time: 11:54
